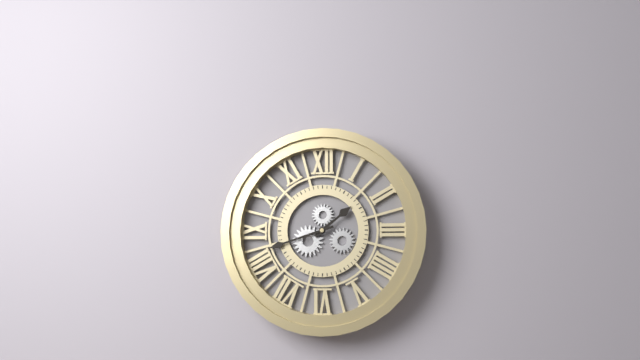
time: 1:42
